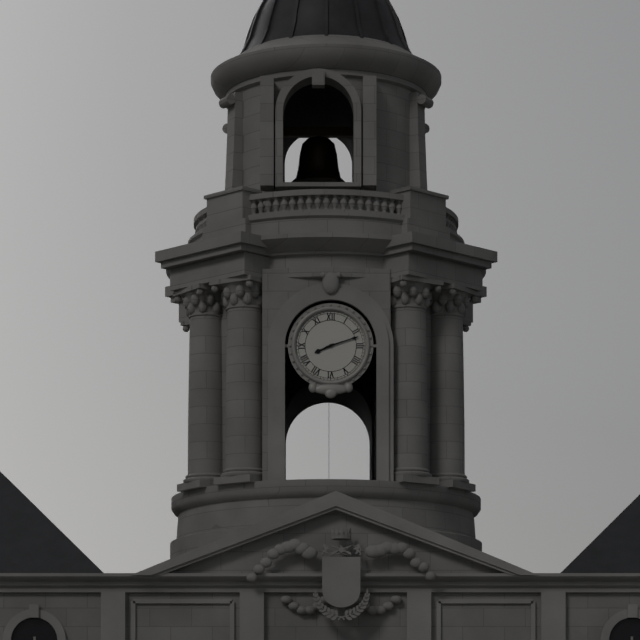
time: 8:12
